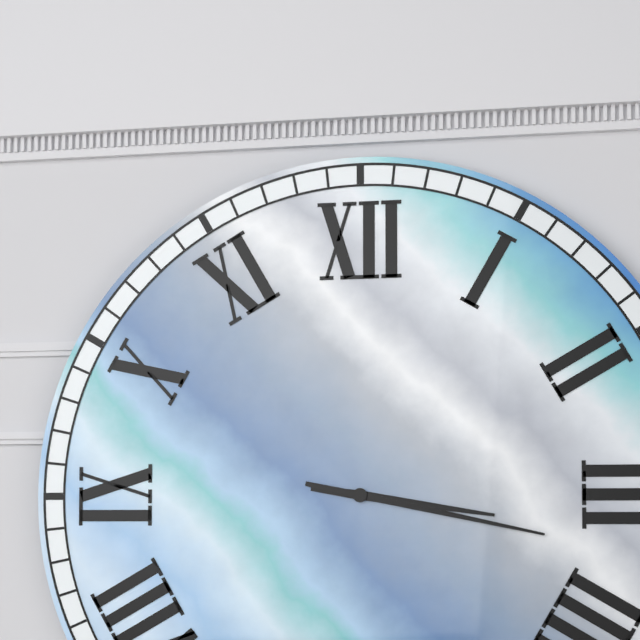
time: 3:17
